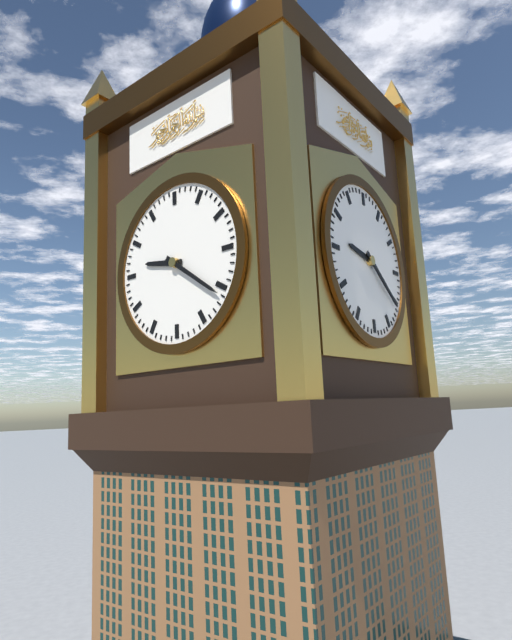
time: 9:21
